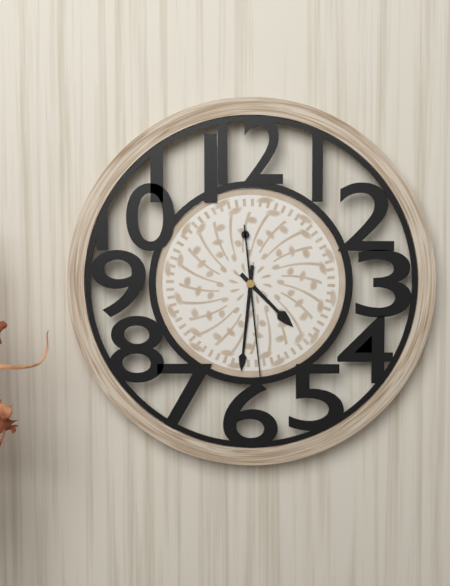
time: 4:31:29
